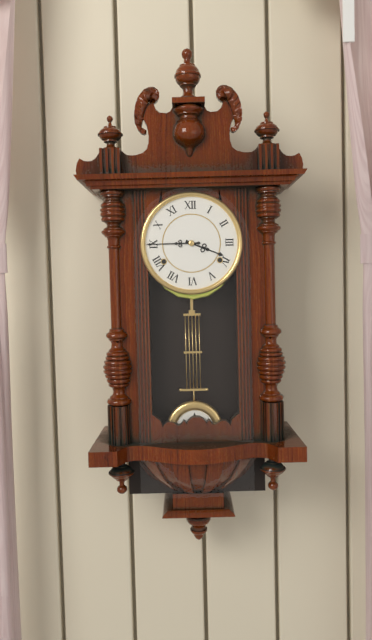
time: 3:45
